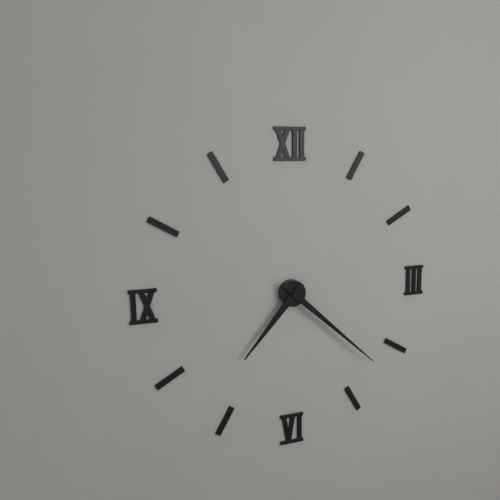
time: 7:22
